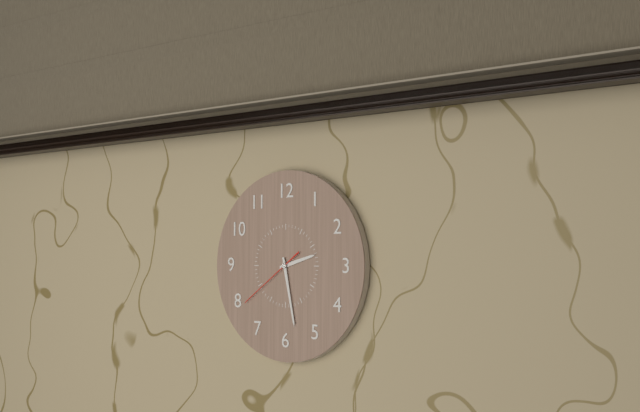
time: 2:28:39
